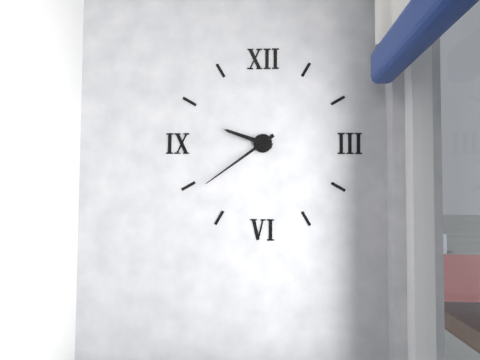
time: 9:39
